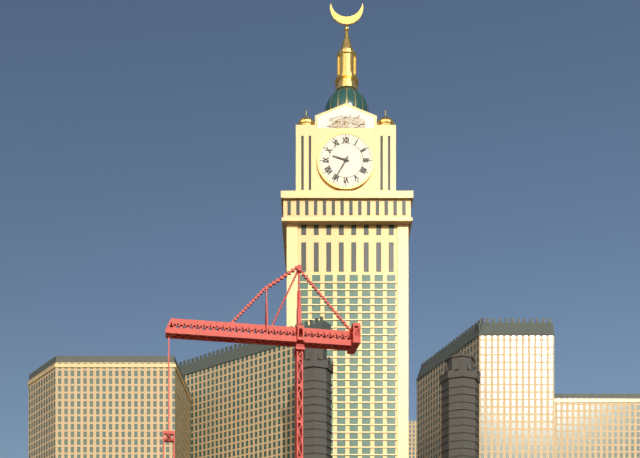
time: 9:35
